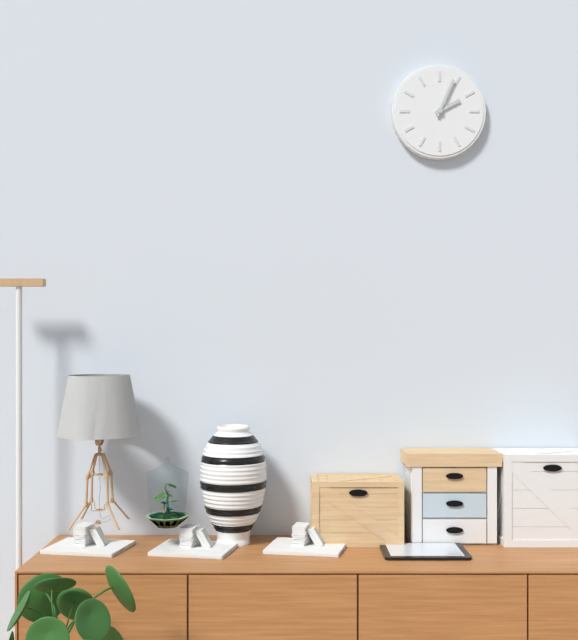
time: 2:04
